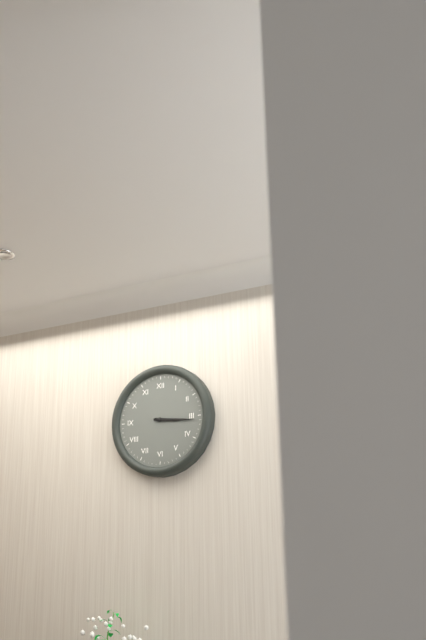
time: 3:16
